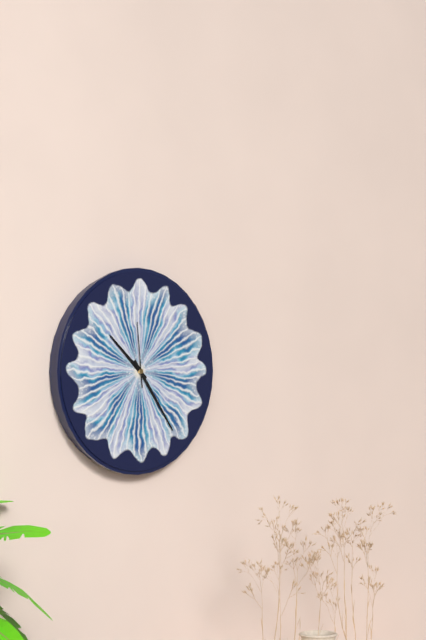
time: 10:24:59
